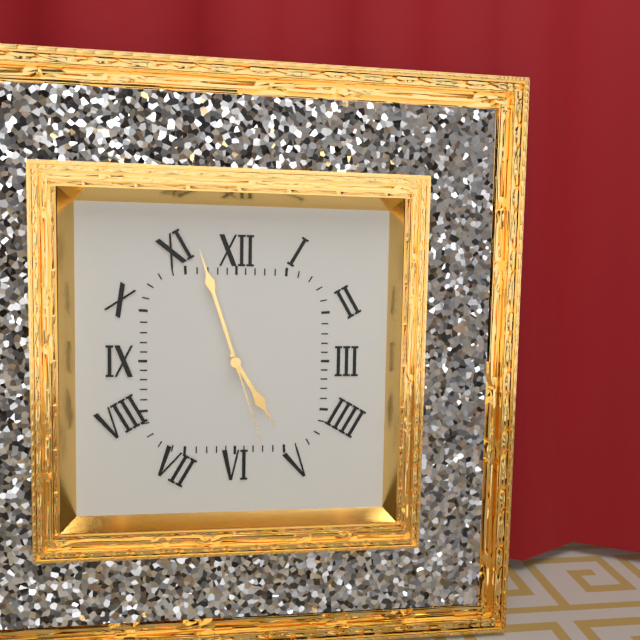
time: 4:57:27
